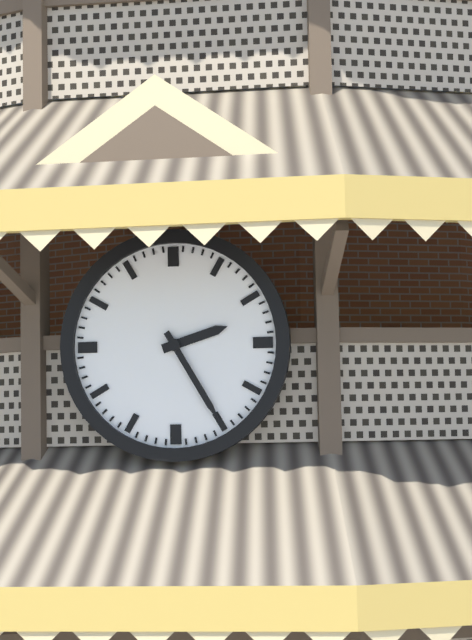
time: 2:25
